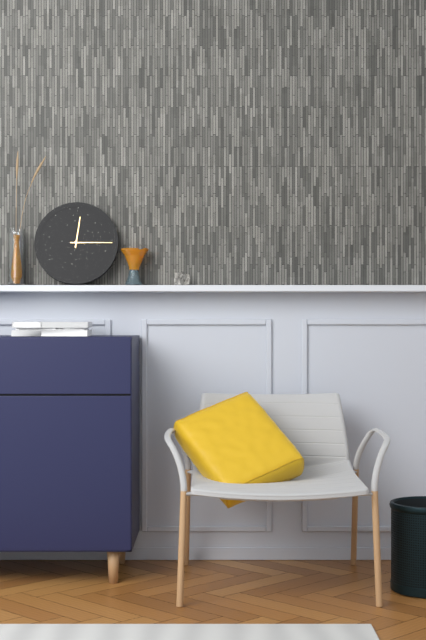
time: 12:15
